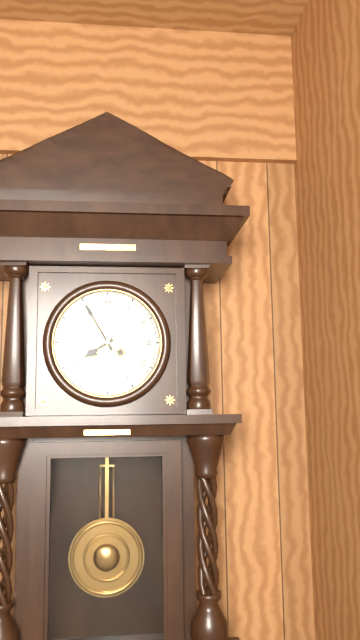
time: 7:55
